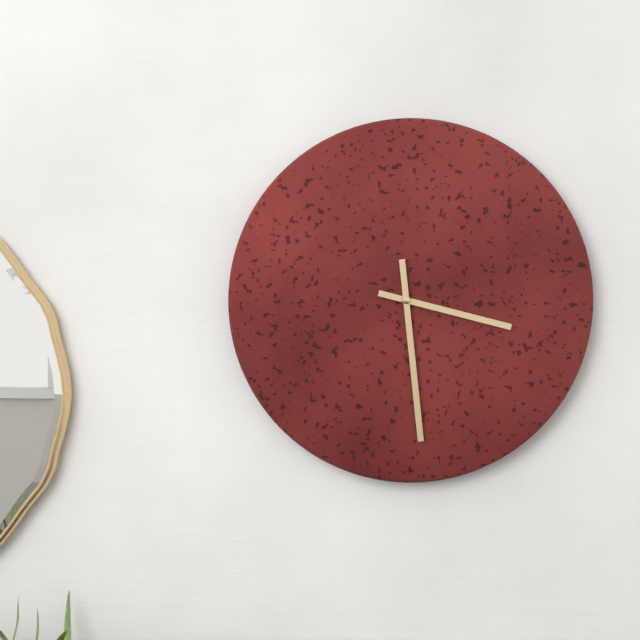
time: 3:29
